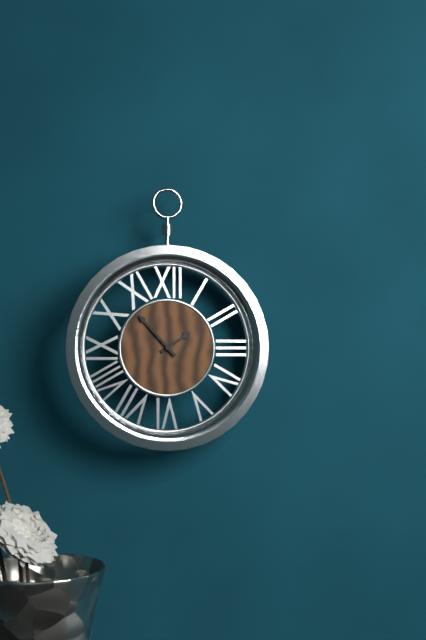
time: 1:53
